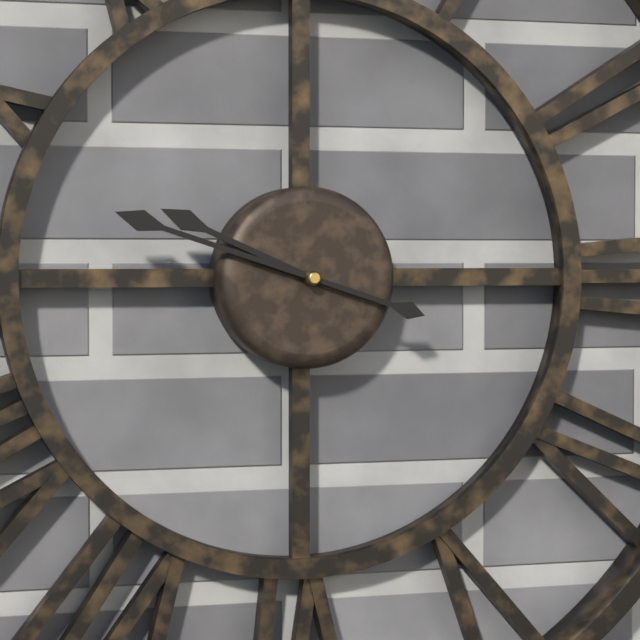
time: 9:48
